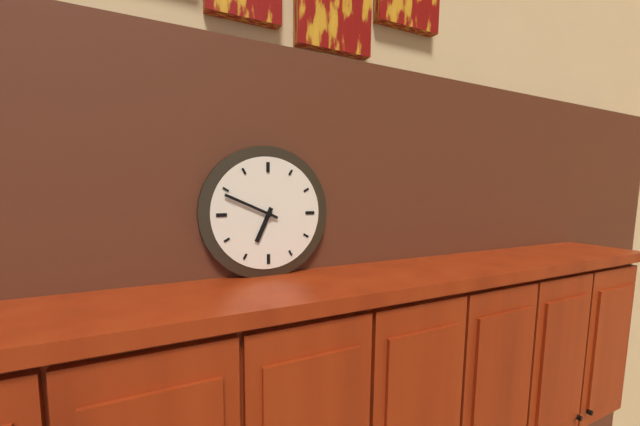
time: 6:49
